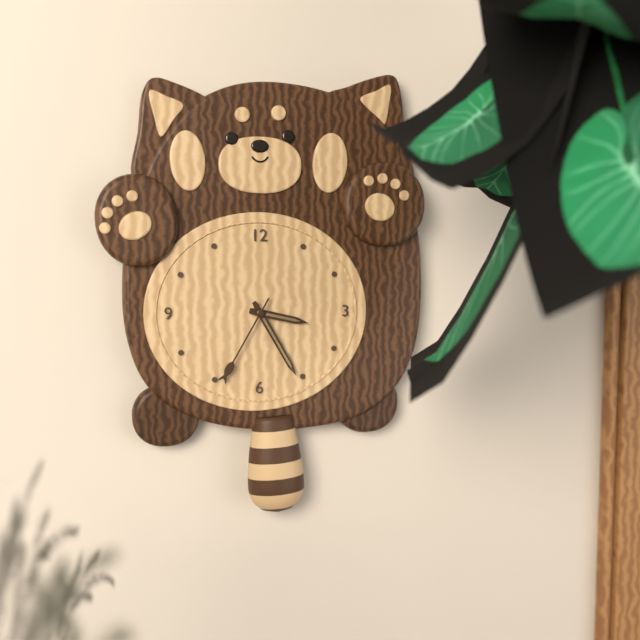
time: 3:25:35
